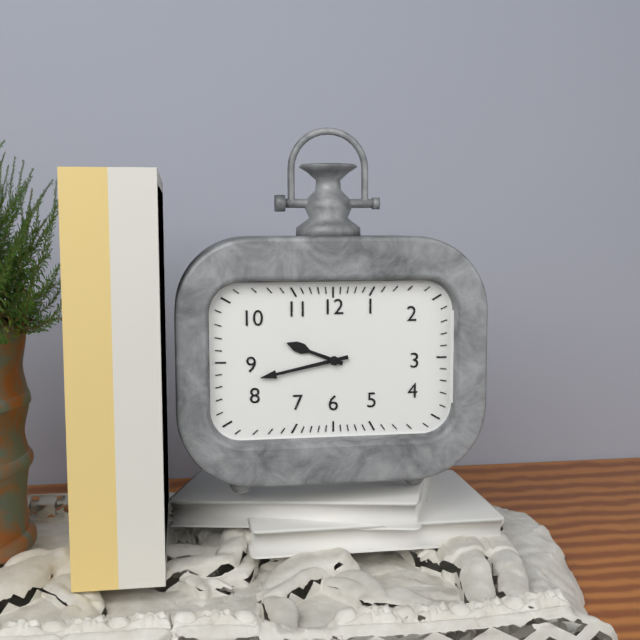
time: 9:43
